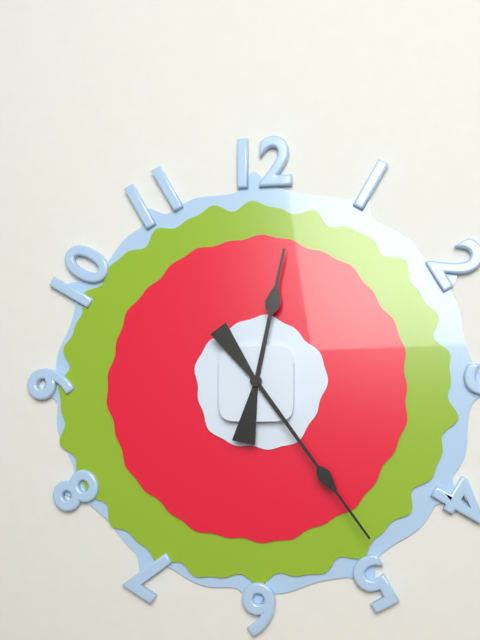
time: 12:24
